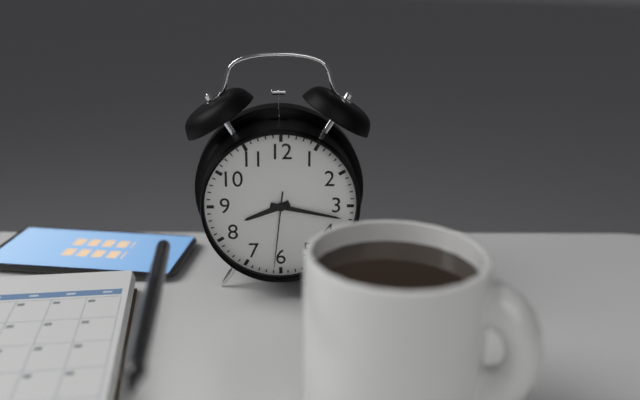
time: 8:17:31
